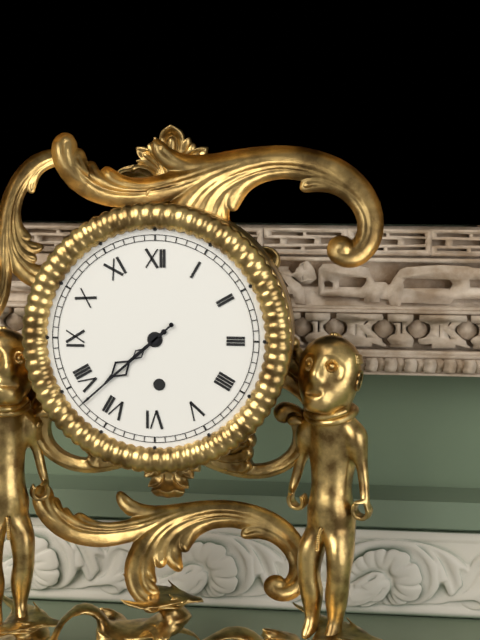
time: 7:38
